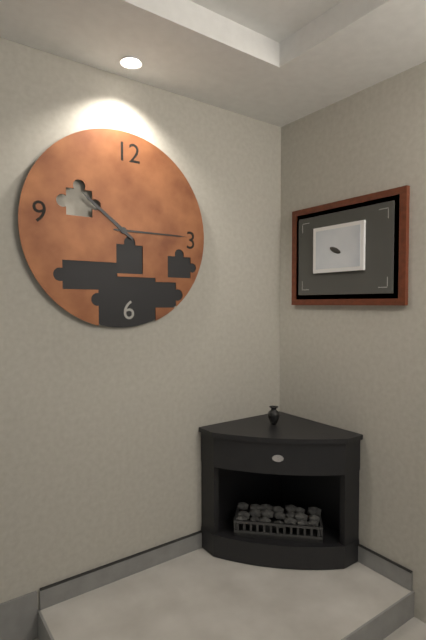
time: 10:15
